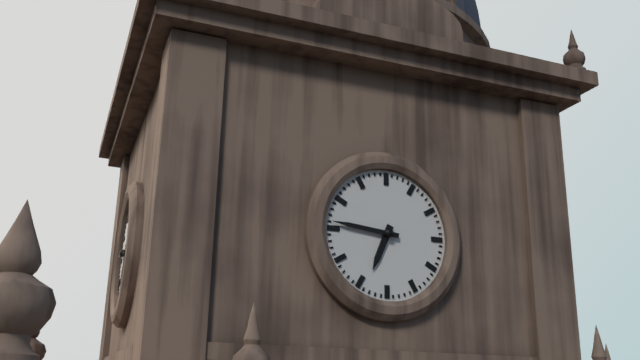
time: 6:46
